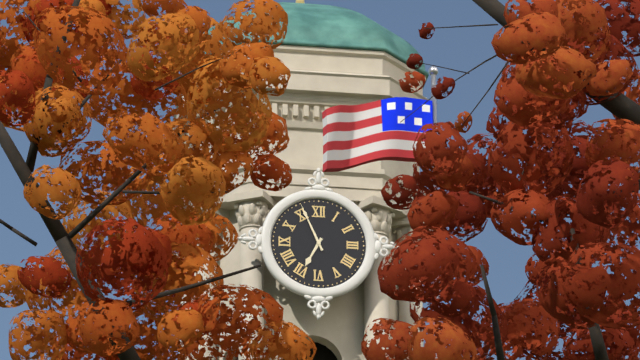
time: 6:56
